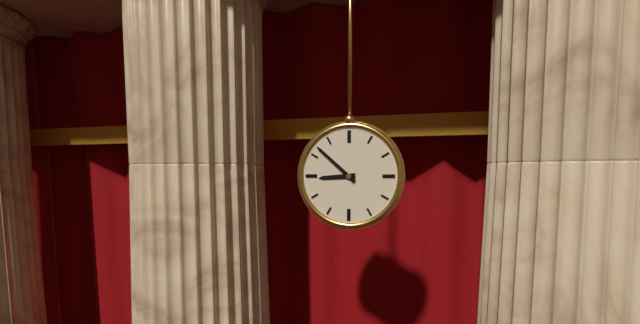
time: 8:52
